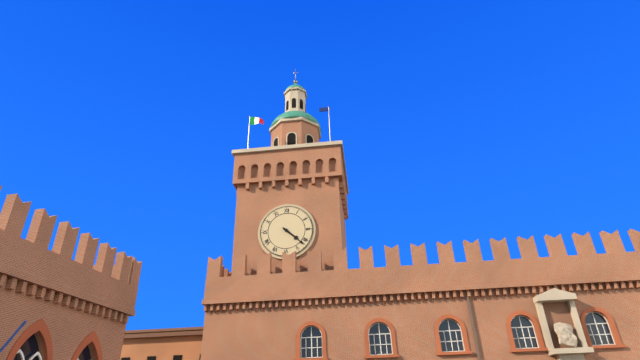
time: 4:22
